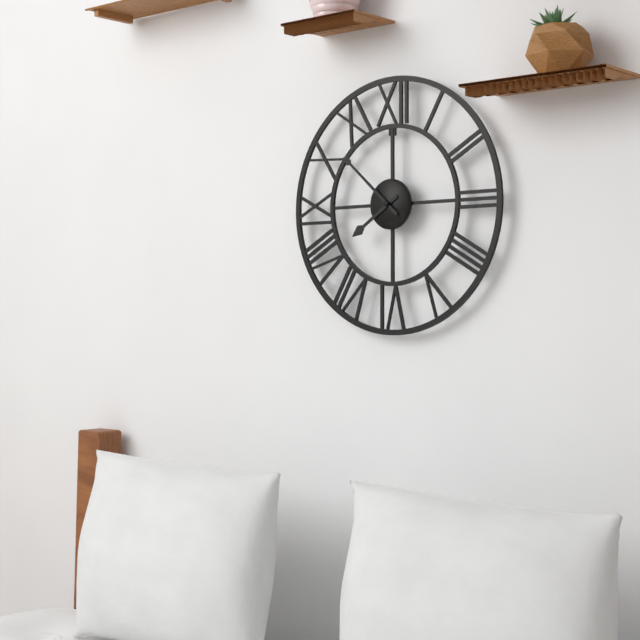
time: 7:52
